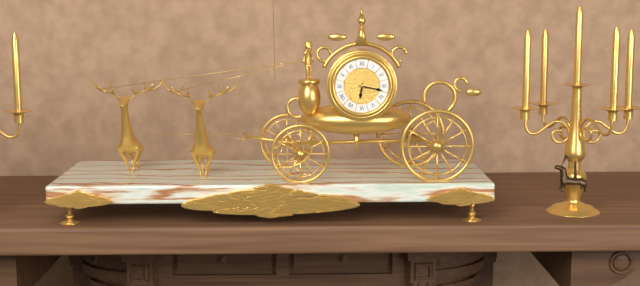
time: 6:17
